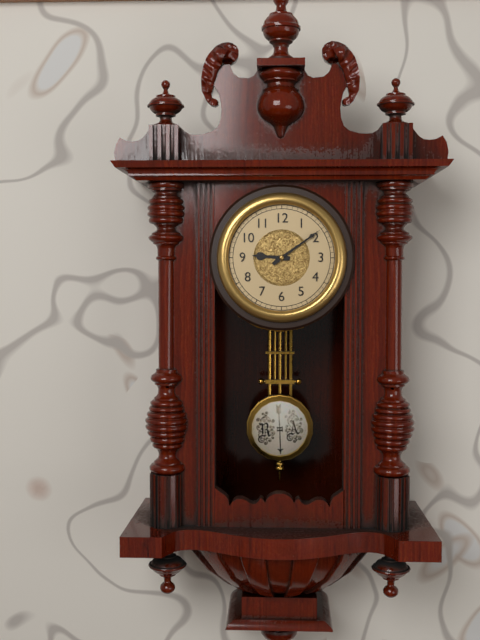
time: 9:09
